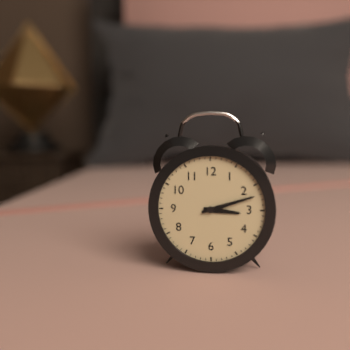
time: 3:12
